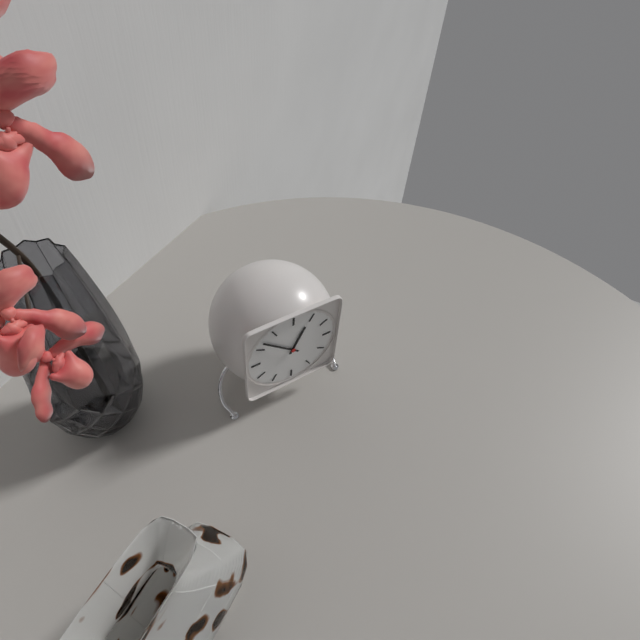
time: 12:52
